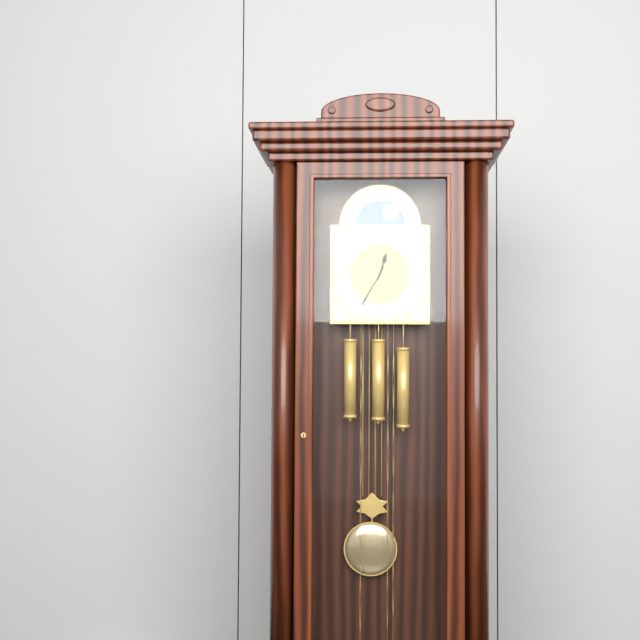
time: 12:35
